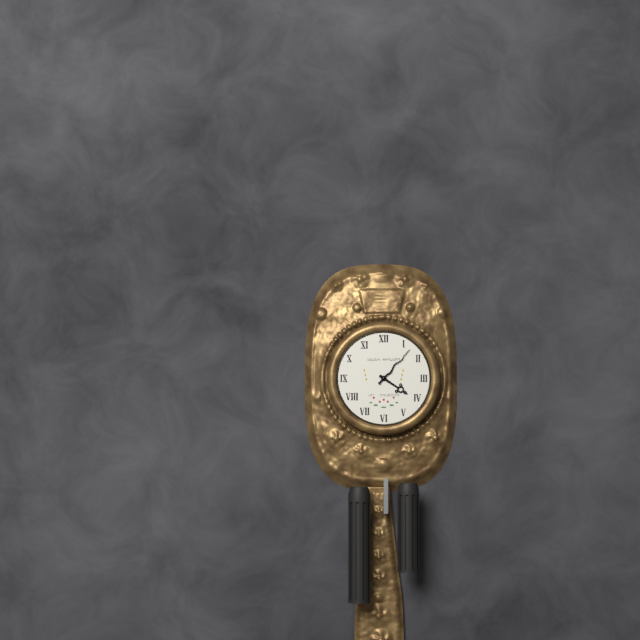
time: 4:07
